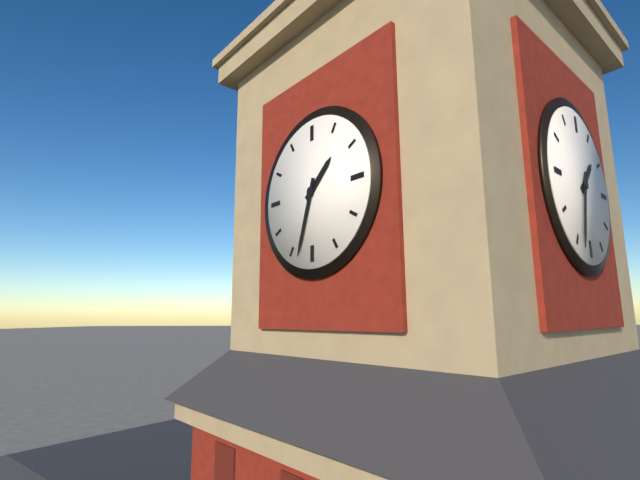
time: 1:33
